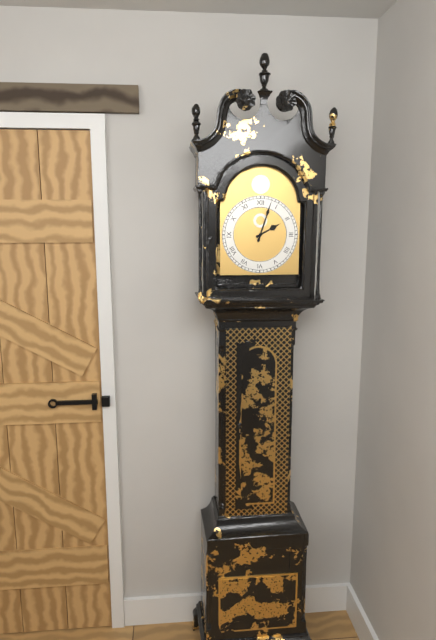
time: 2:03
